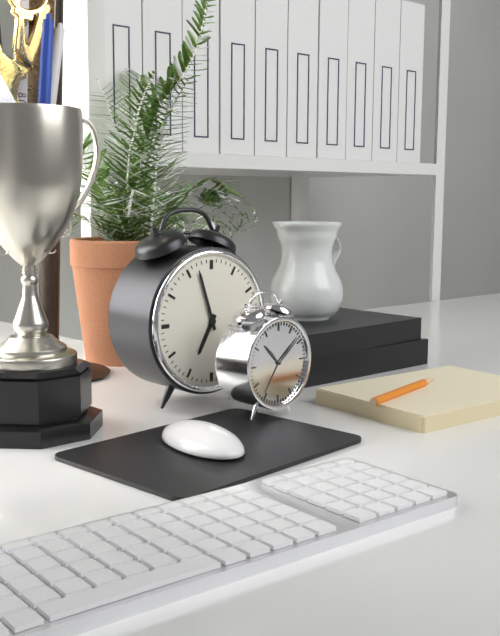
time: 6:57
